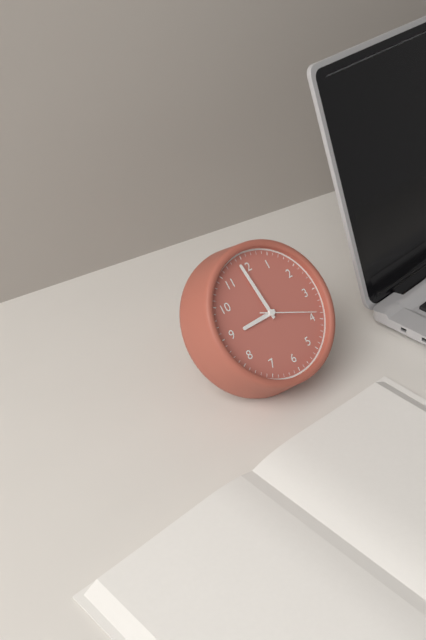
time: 8:59:19
